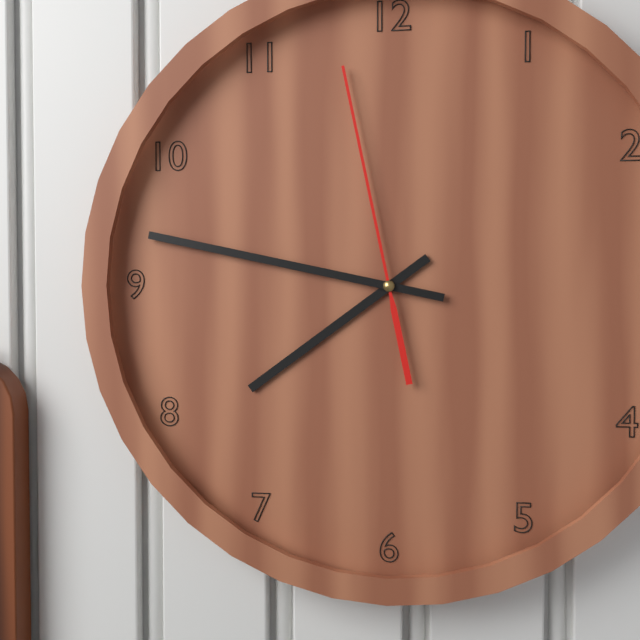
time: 7:47:58
